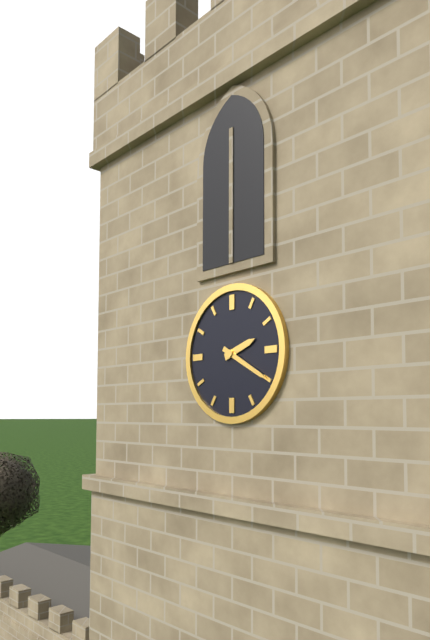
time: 2:20
